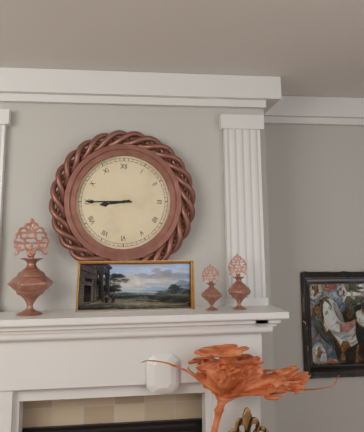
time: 8:45
